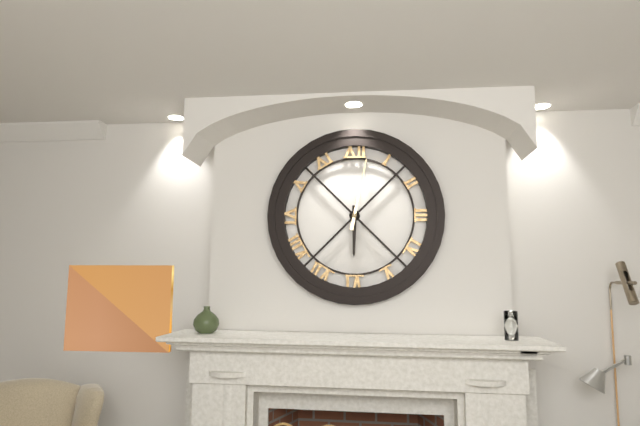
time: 6:02
